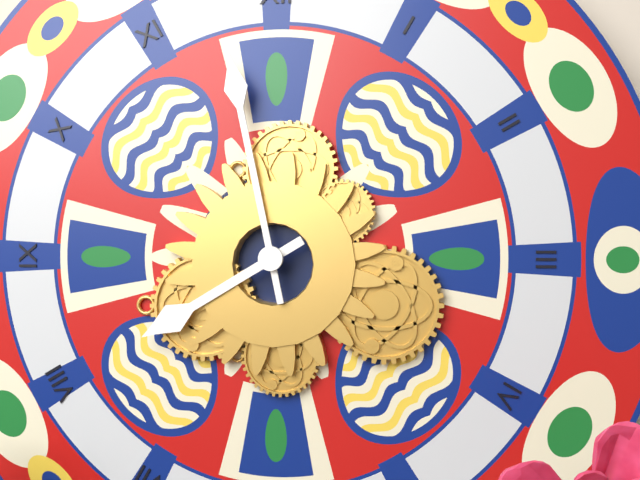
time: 7:58
